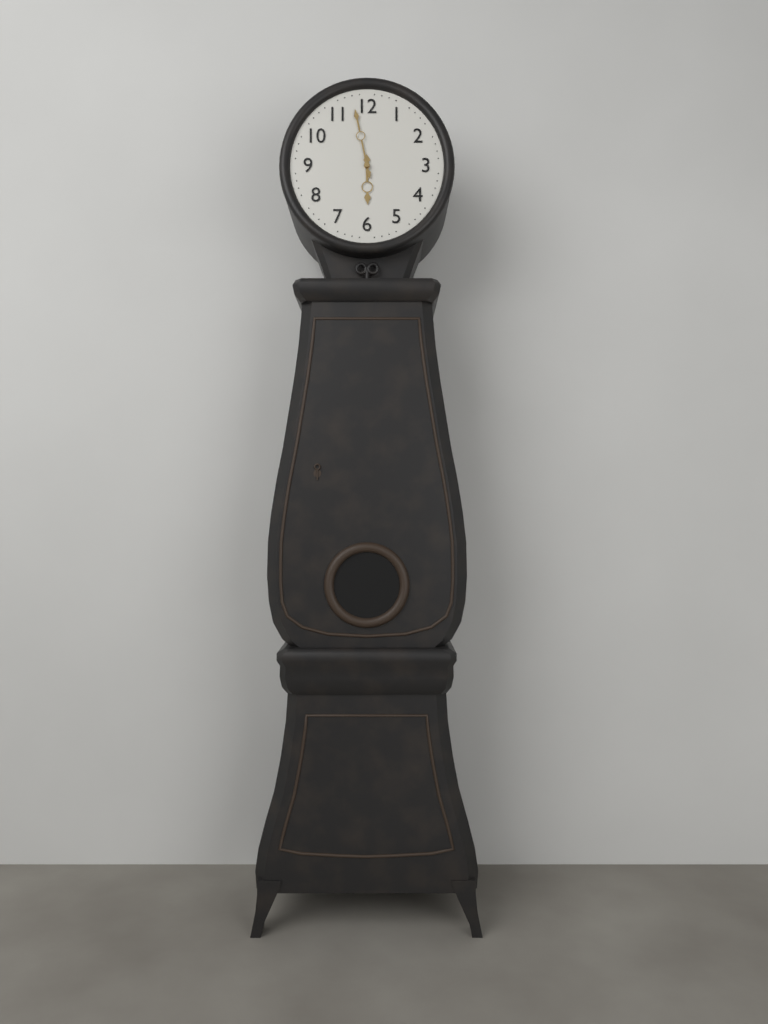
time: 5:58
